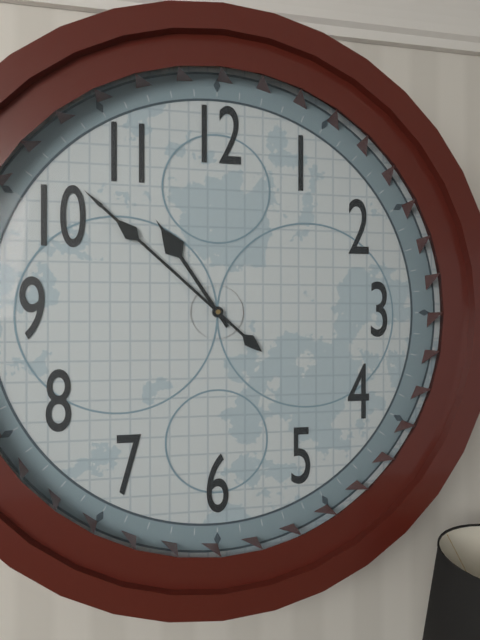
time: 10:52
